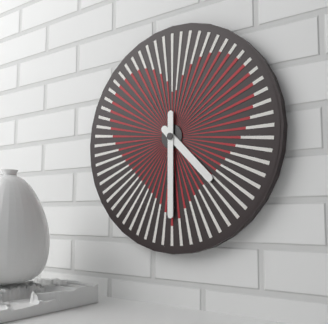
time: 4:30
